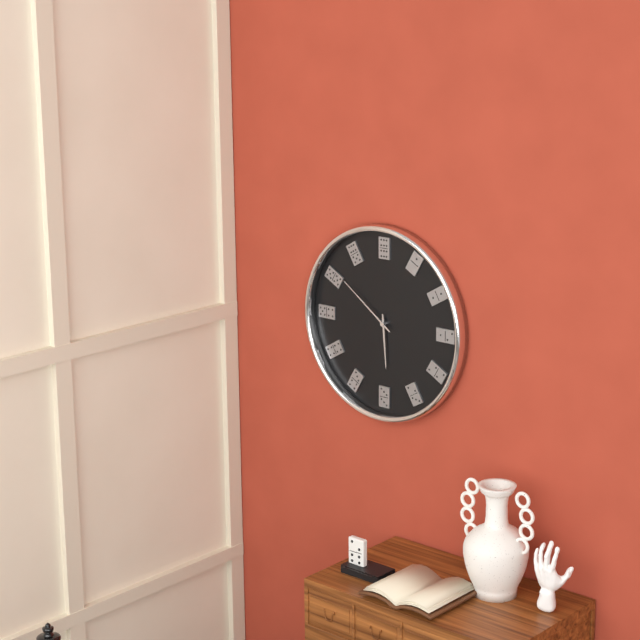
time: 5:51
